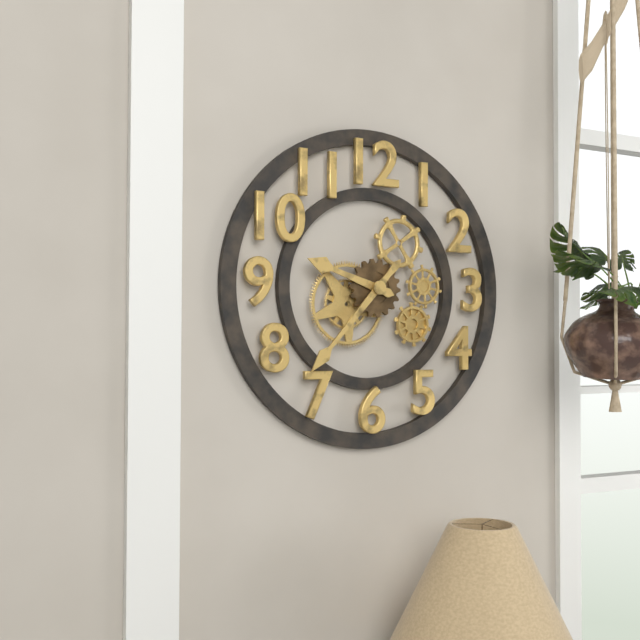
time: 9:37
